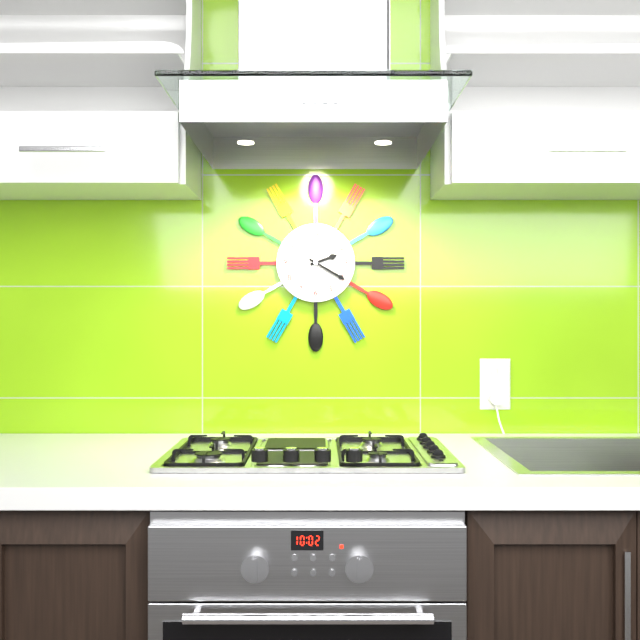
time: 2:20
